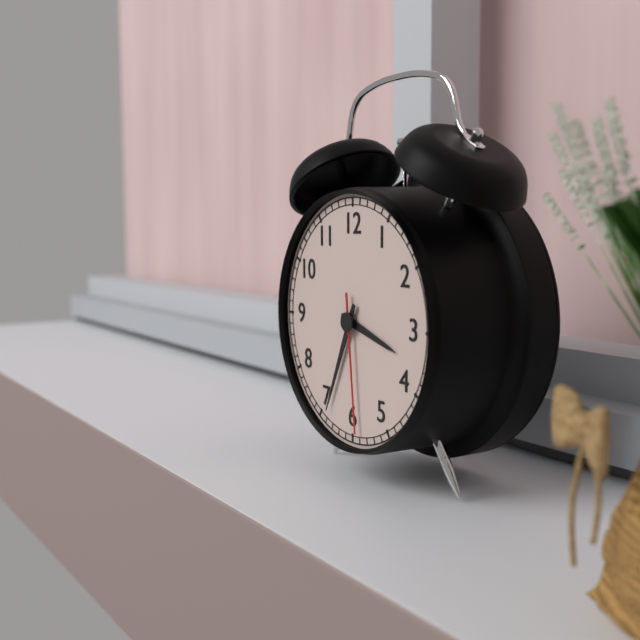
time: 3:34:29
